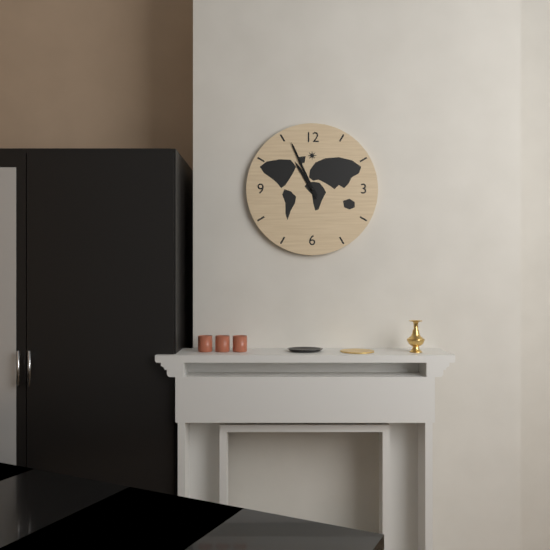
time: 10:56
